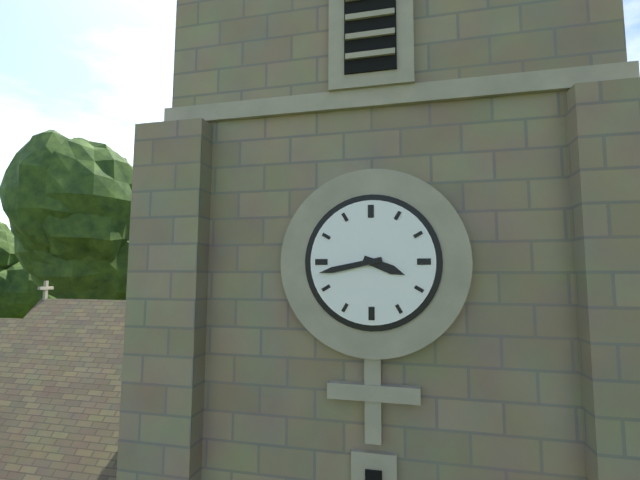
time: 3:43
